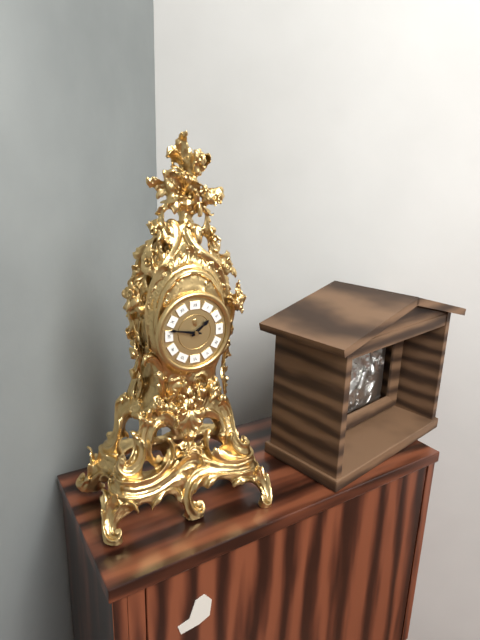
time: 1:47
